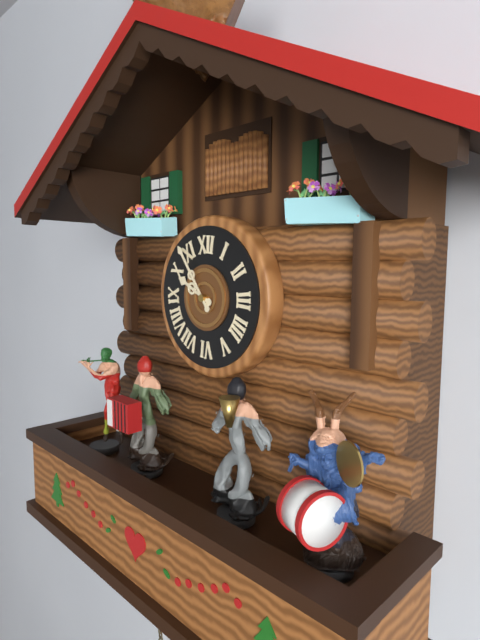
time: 9:54
